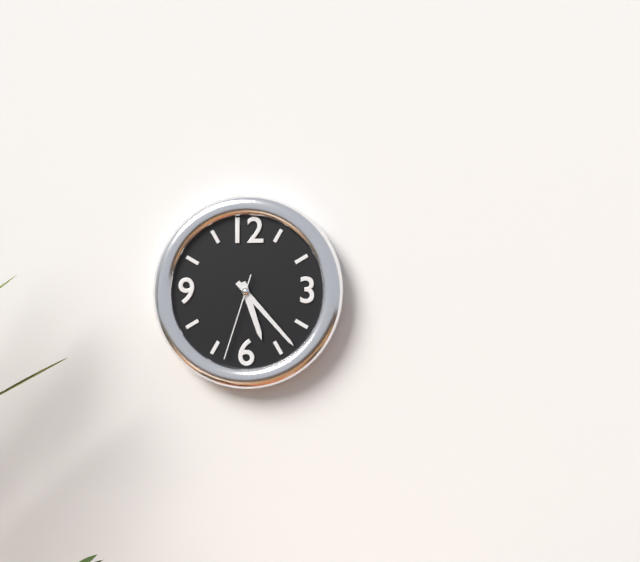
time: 5:23:33
